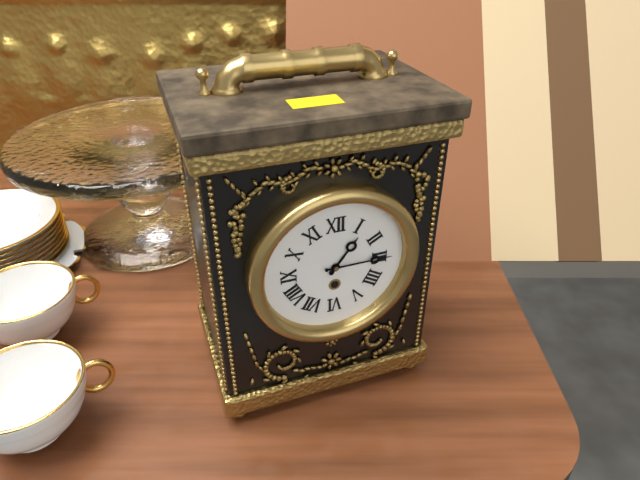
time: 1:15
